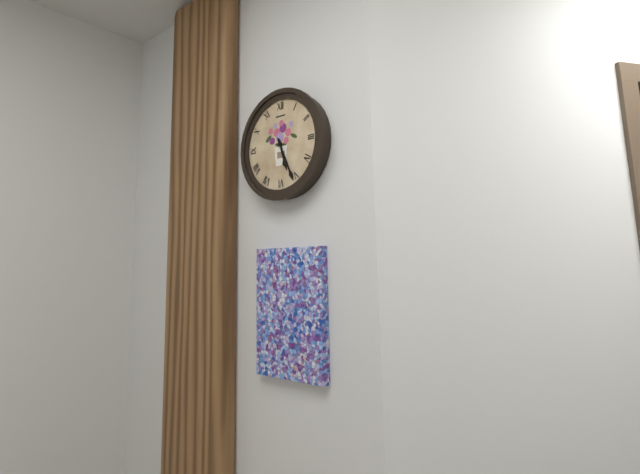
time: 5:26
